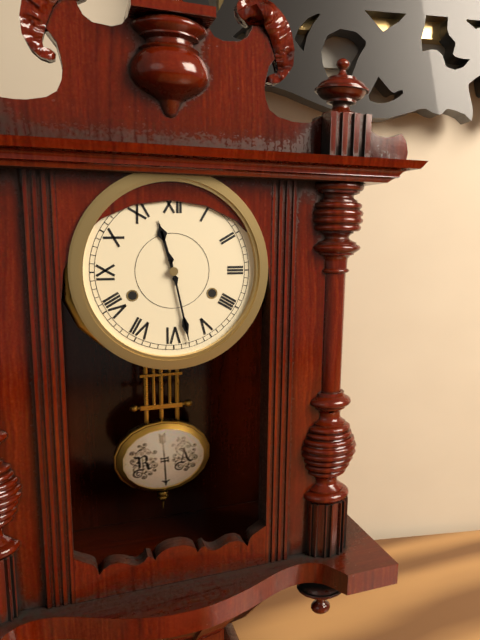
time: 11:28
